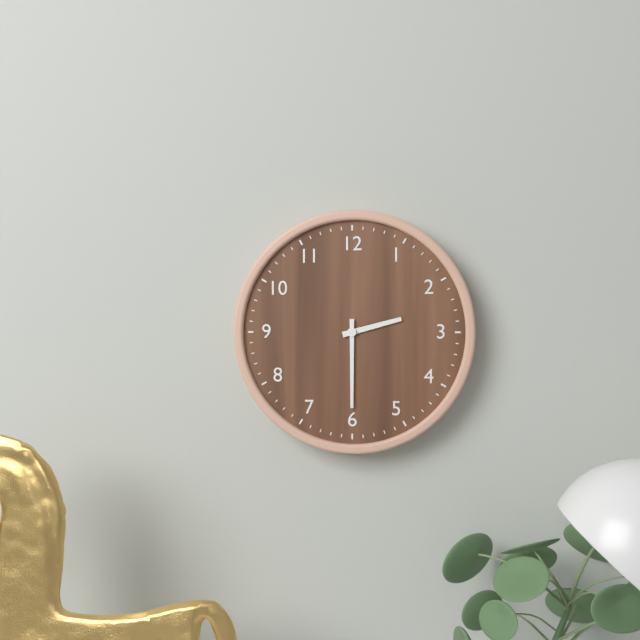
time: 2:30
